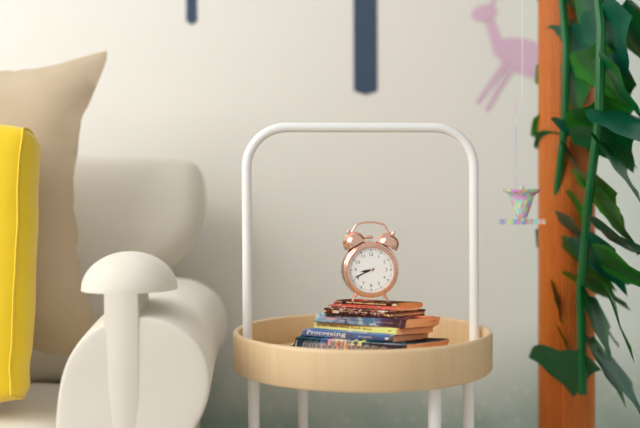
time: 8:41
